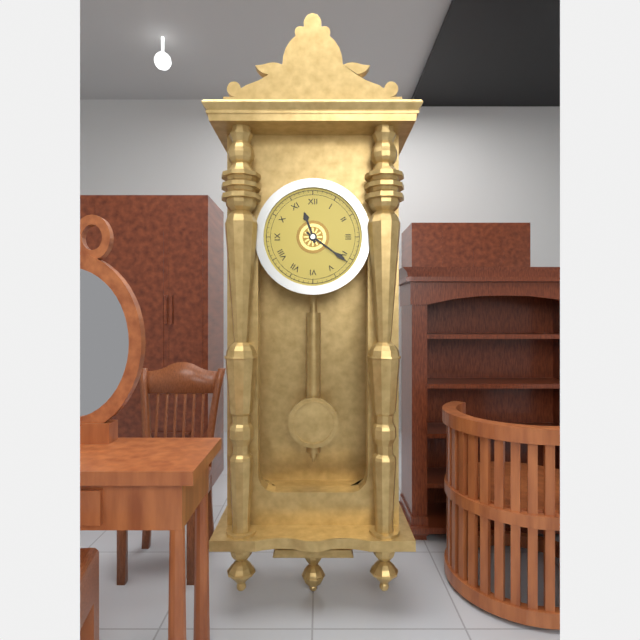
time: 11:21
